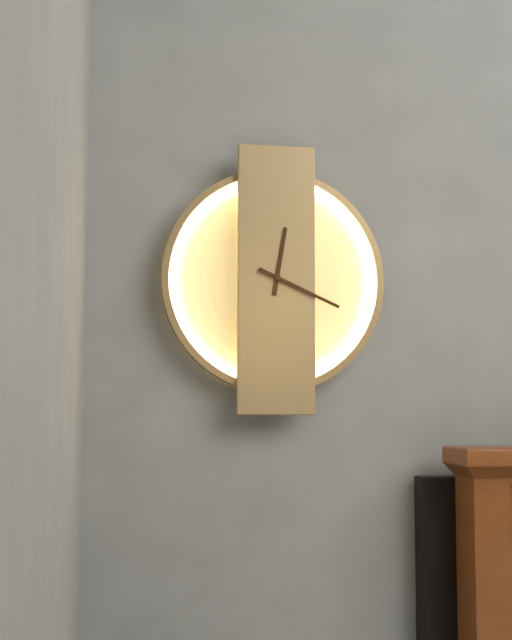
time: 12:19
